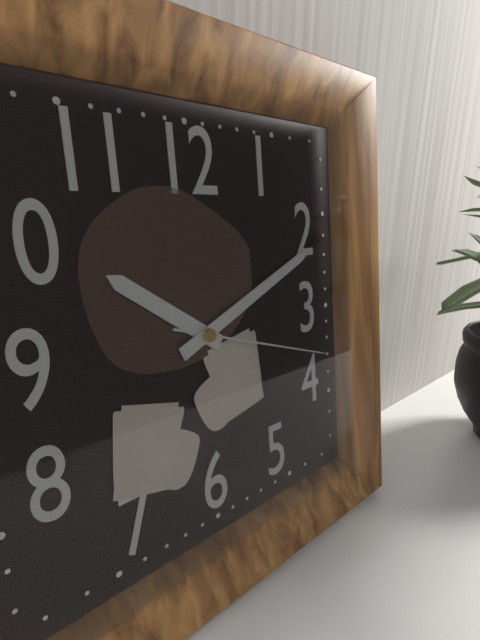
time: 10:11:18
